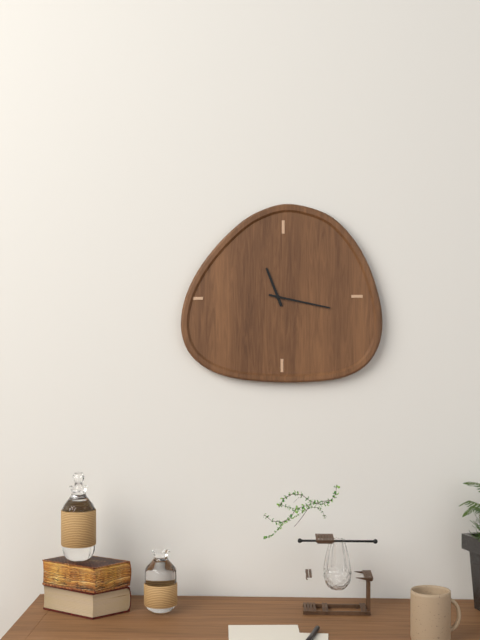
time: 11:17
